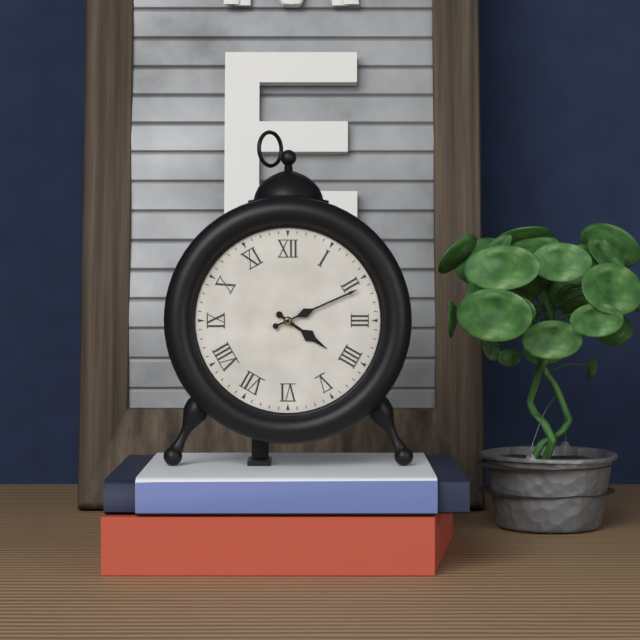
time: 4:11
